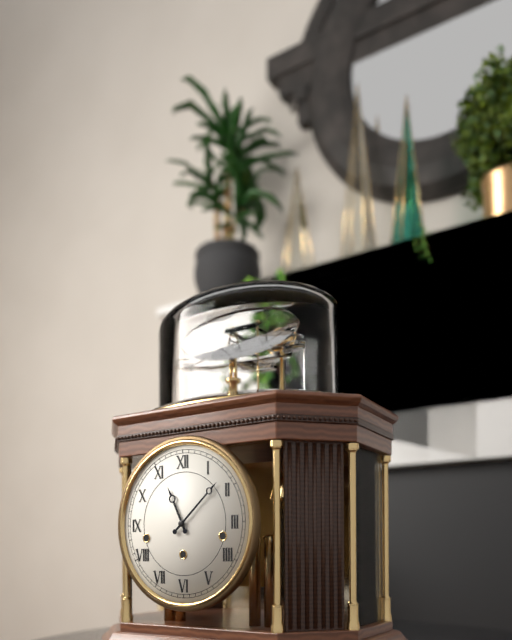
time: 11:08
